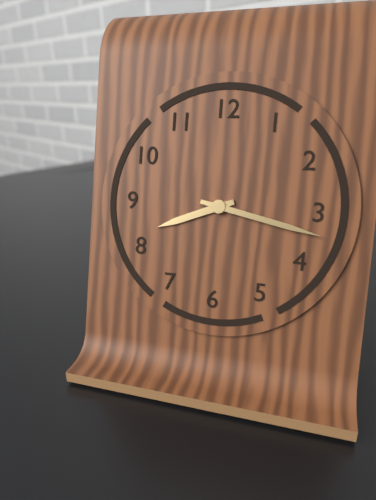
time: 8:17
